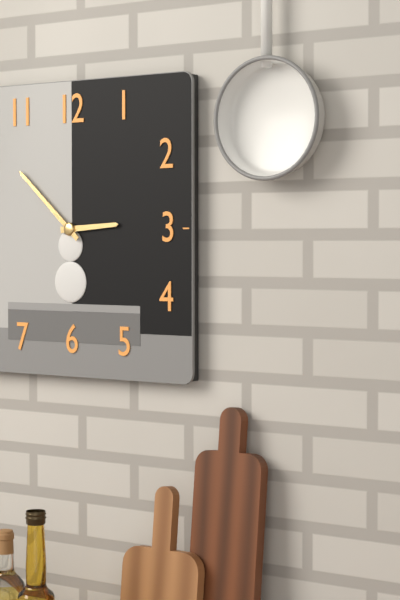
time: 2:52
